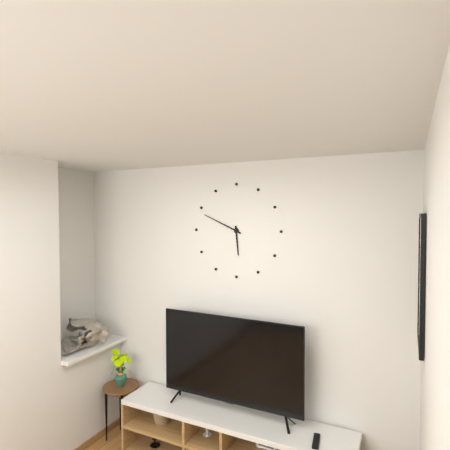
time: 5:49
